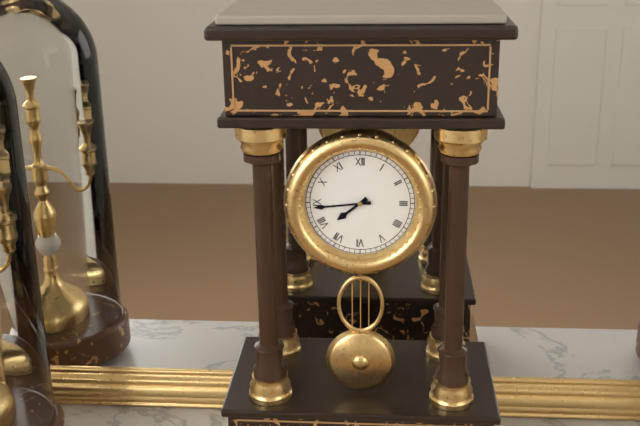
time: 7:44
